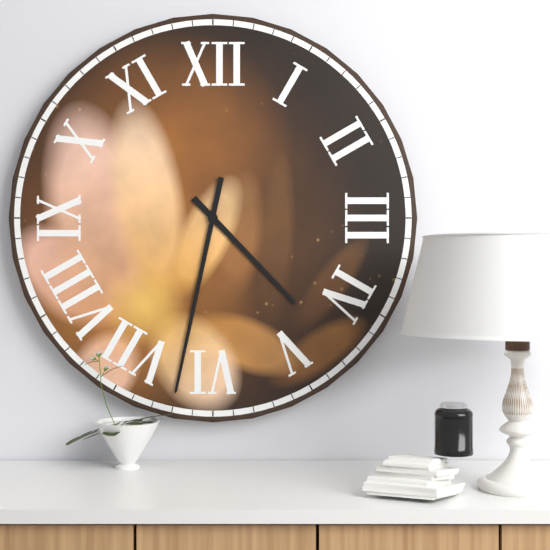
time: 4:32
